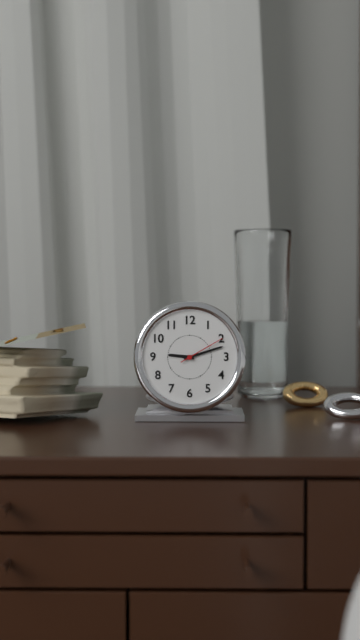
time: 9:12
